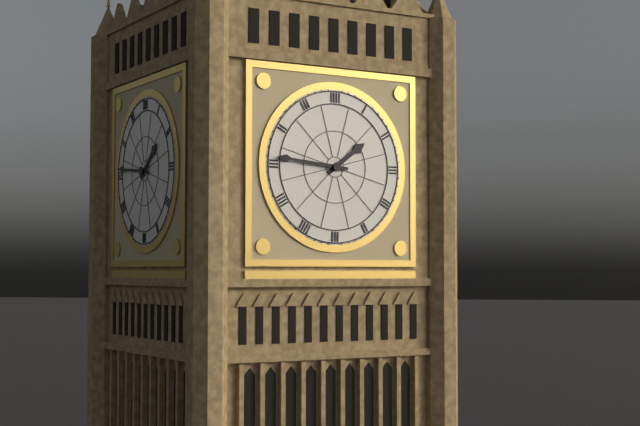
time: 1:46
